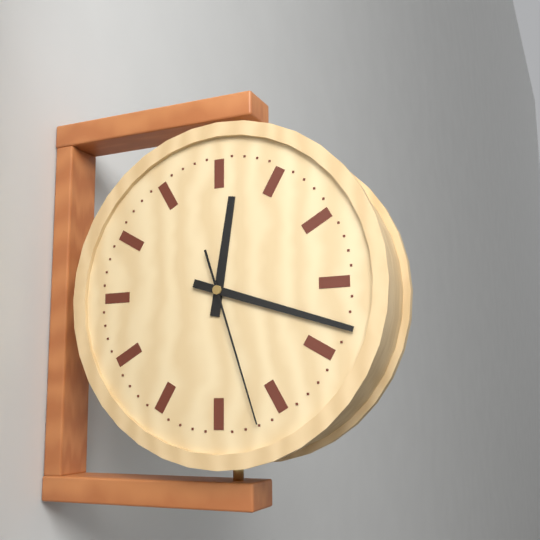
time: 12:18:27
